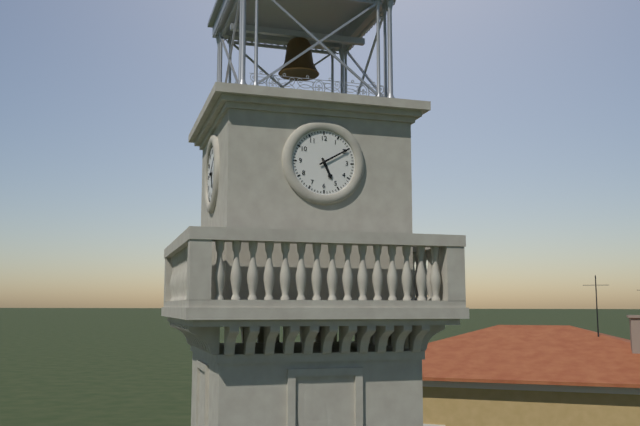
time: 5:10
